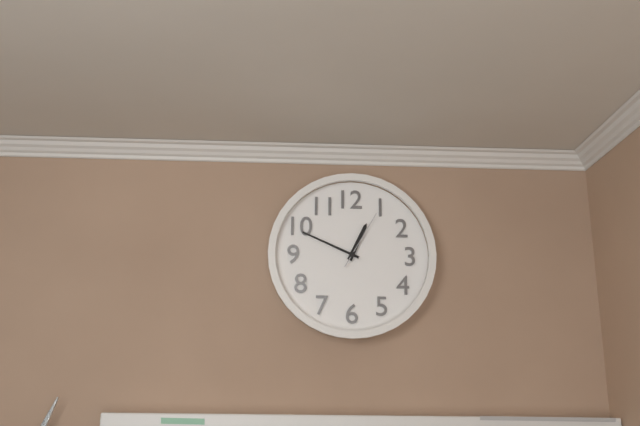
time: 12:49:05
